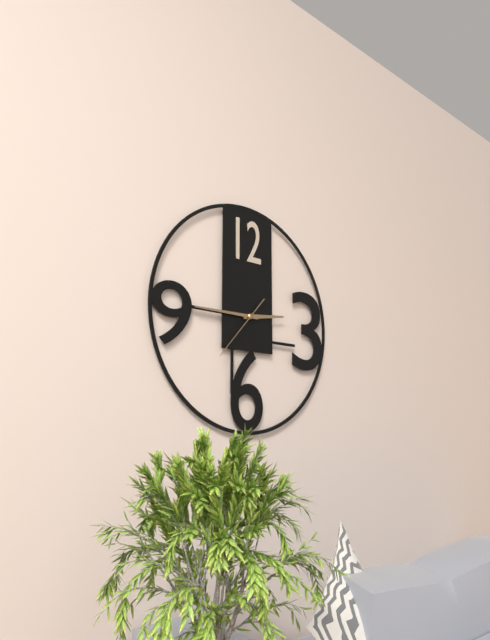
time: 2:45:37
